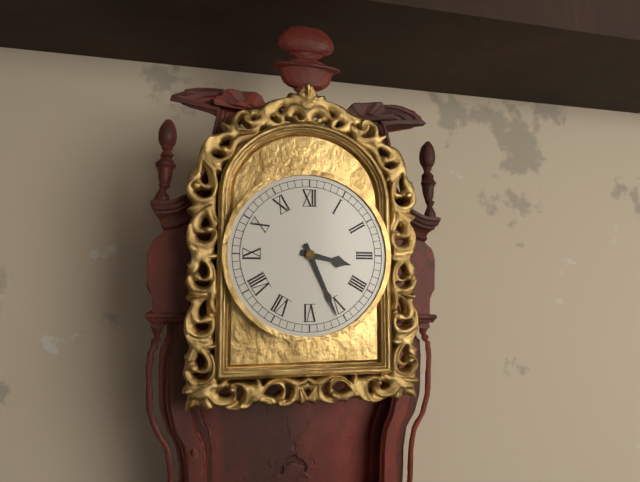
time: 3:26
